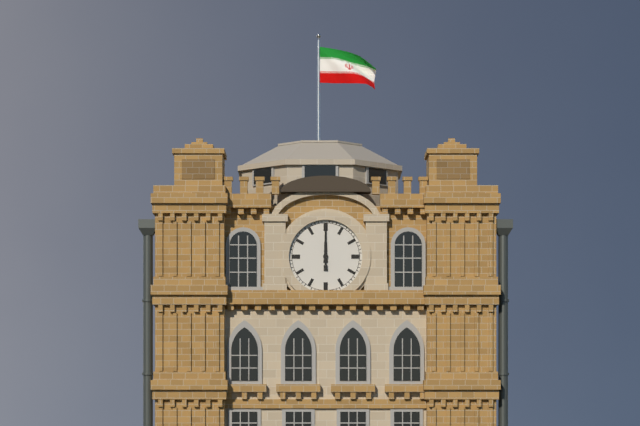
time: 12:00
